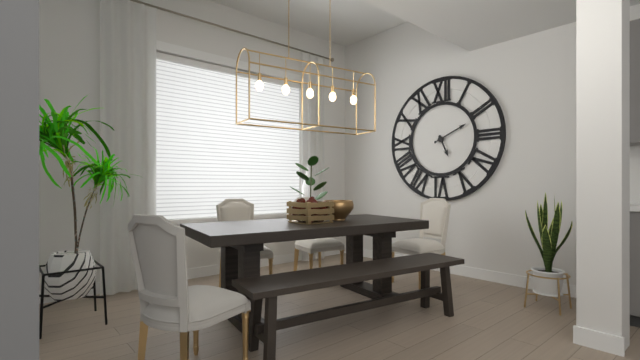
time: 5:11
